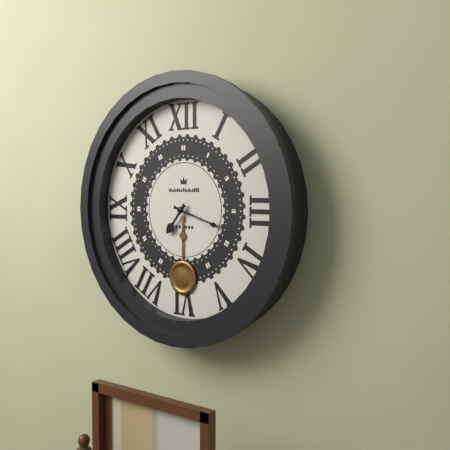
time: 7:18
